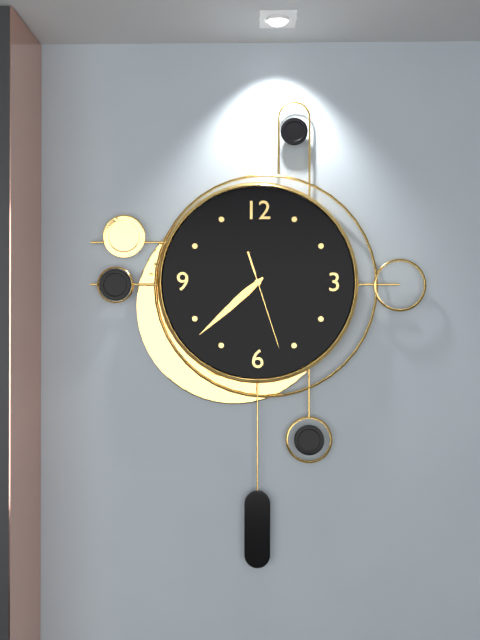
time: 7:38:27
